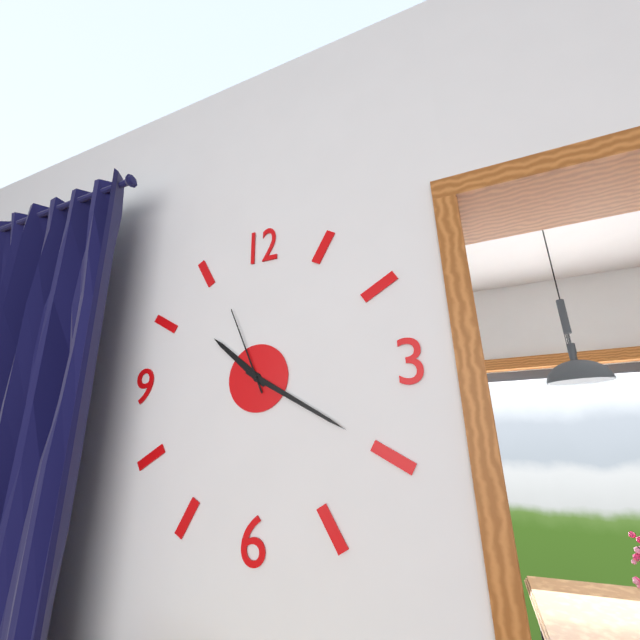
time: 10:20:56
